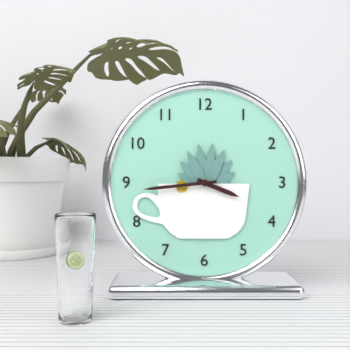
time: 3:44
